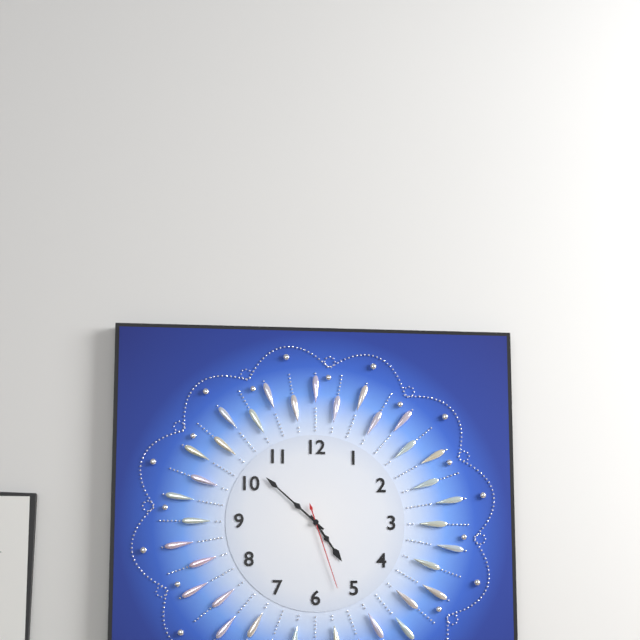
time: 4:52:27
